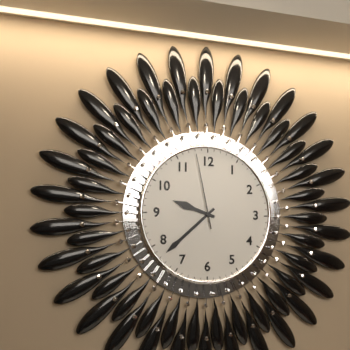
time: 9:38:58
